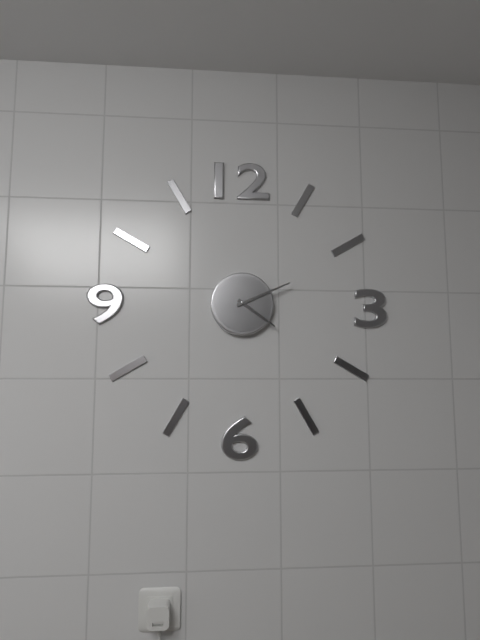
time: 4:11
